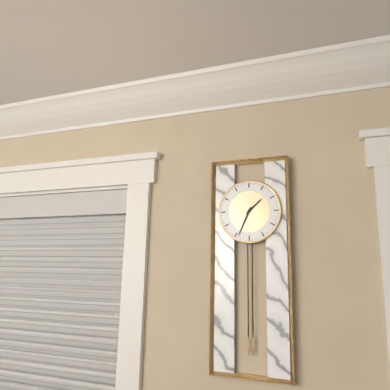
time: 1:34
